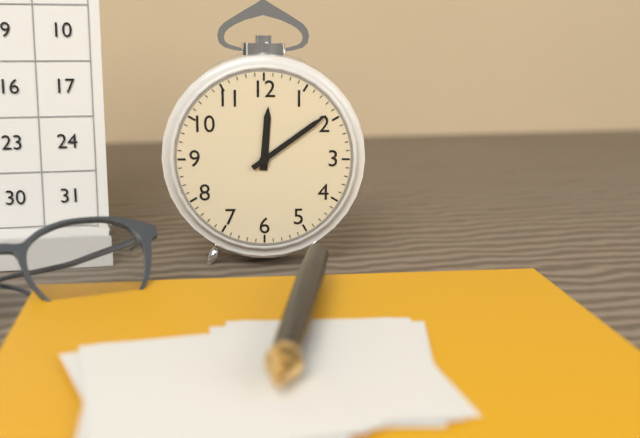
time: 12:09
